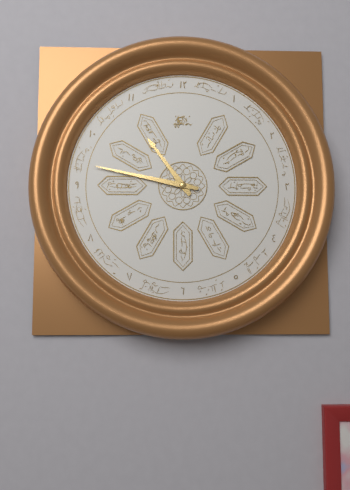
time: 10:47
